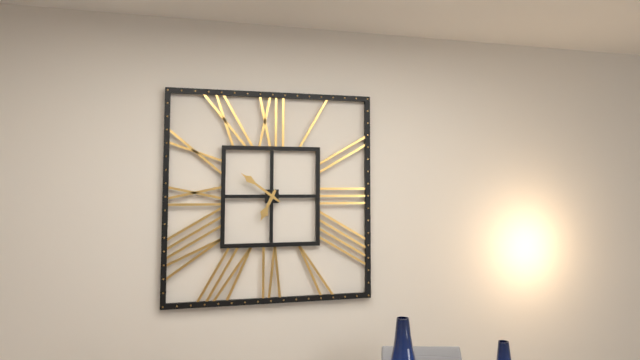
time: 6:51
